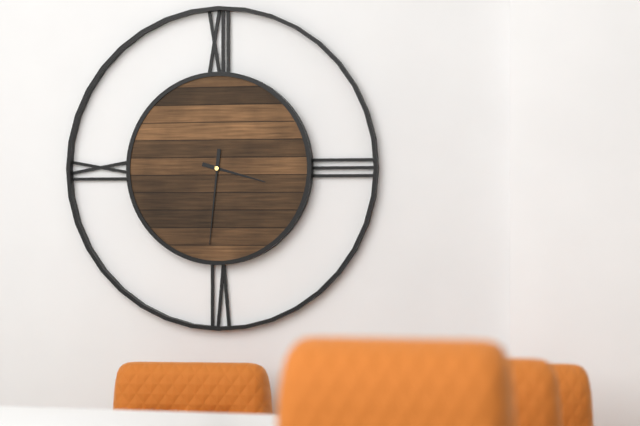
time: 3:31
